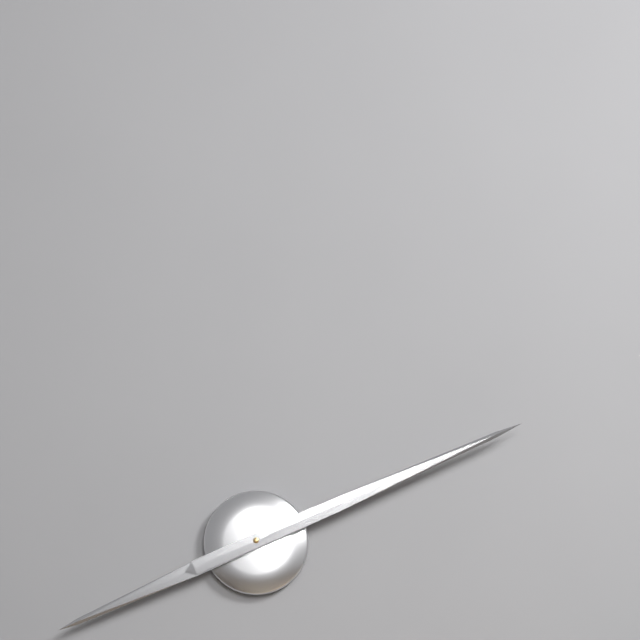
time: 8:11
